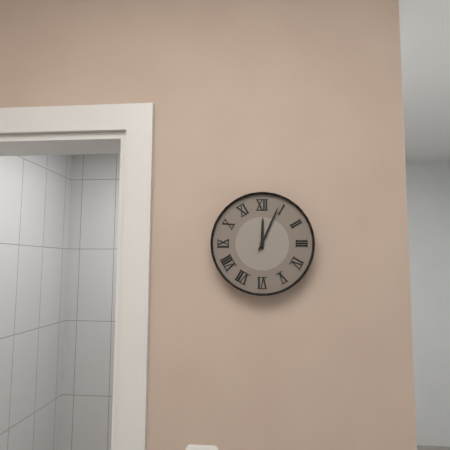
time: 12:04
